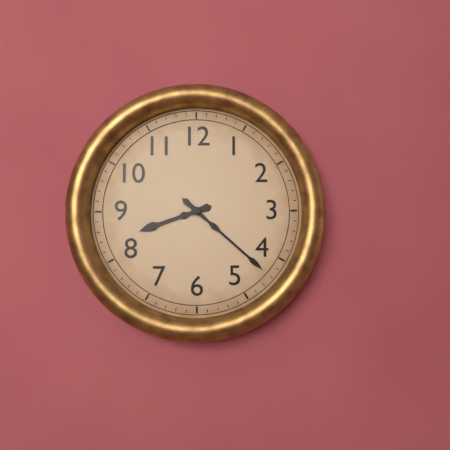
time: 8:22
